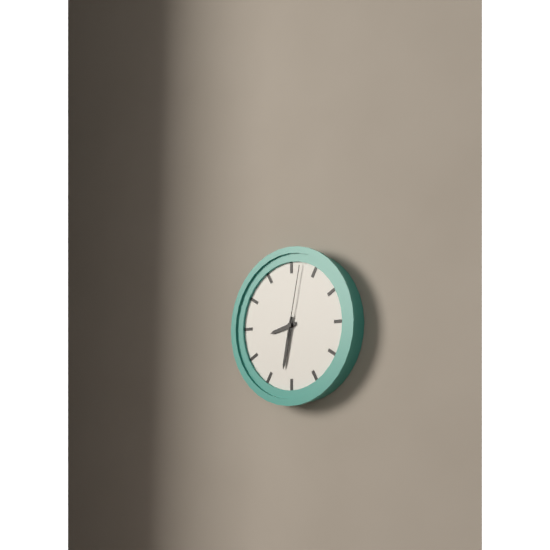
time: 8:32:02
